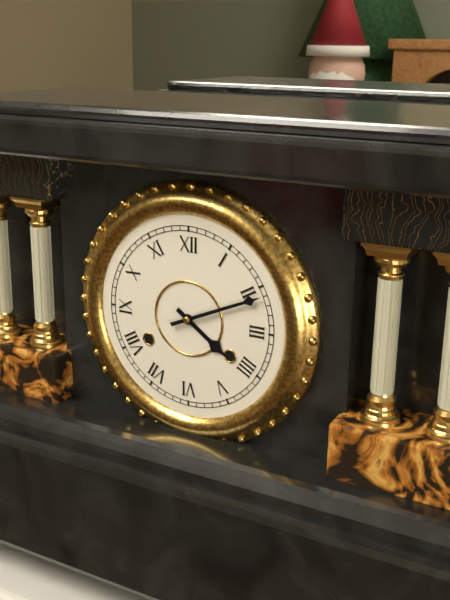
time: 4:11
